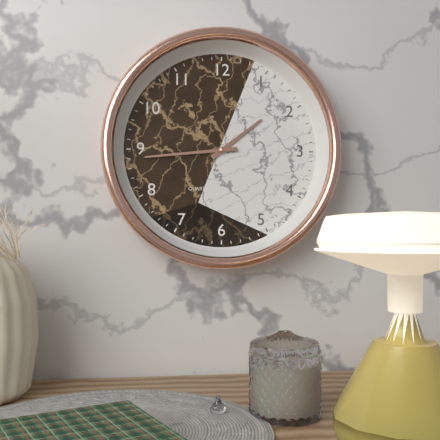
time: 1:44
